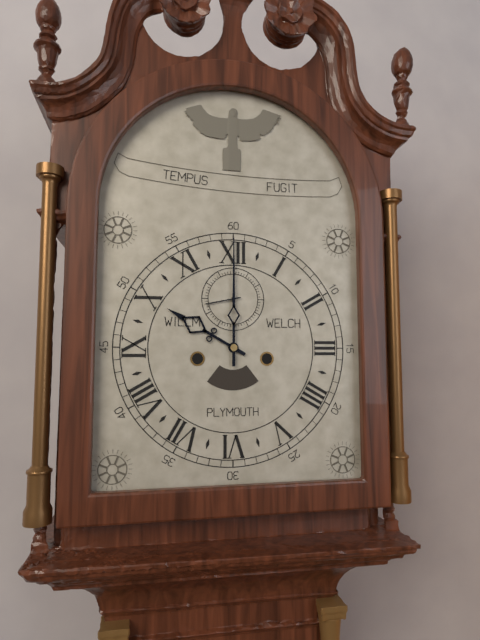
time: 10:00
